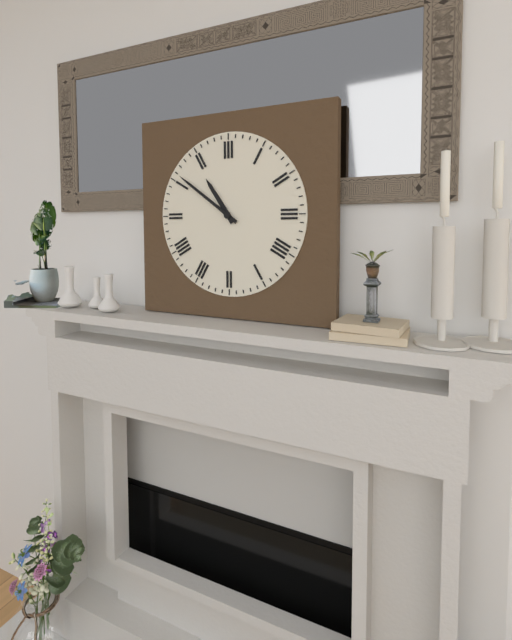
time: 10:51
